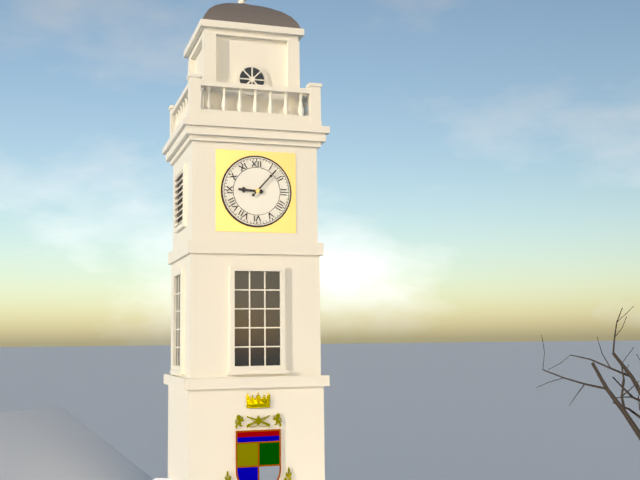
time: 9:07
